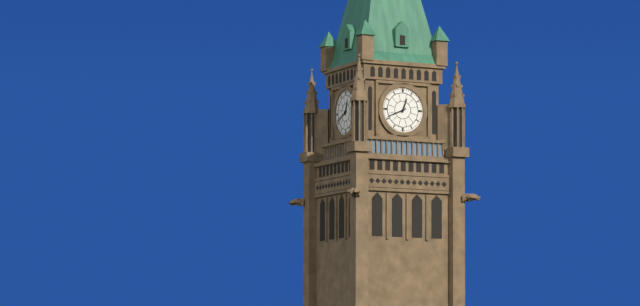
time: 12:41
